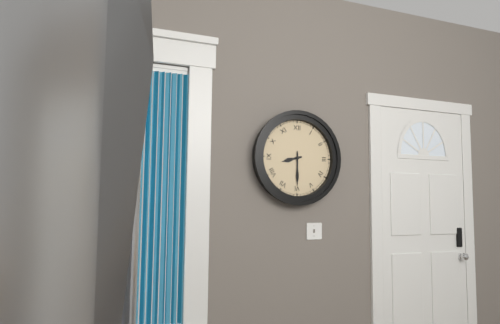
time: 8:30
